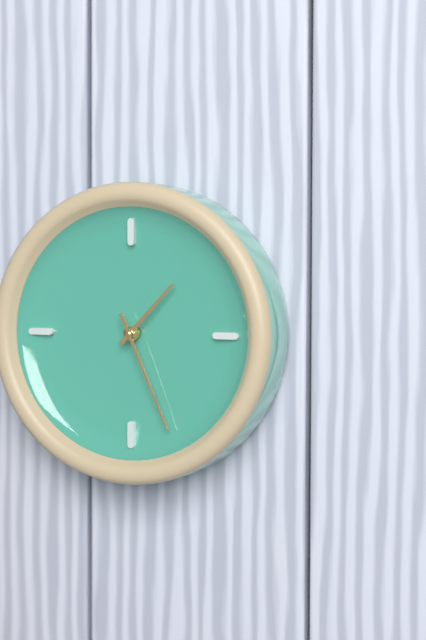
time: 1:26
